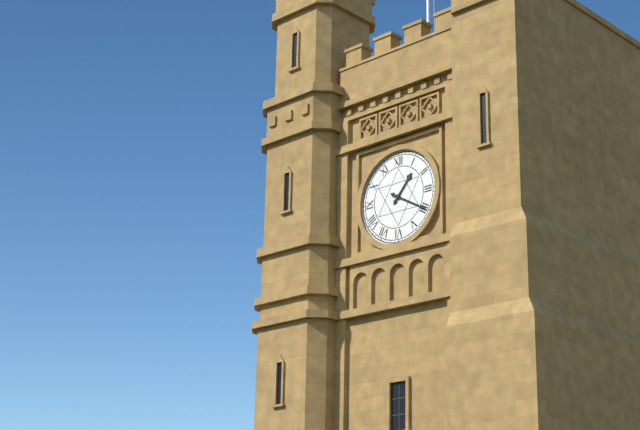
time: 1:20
